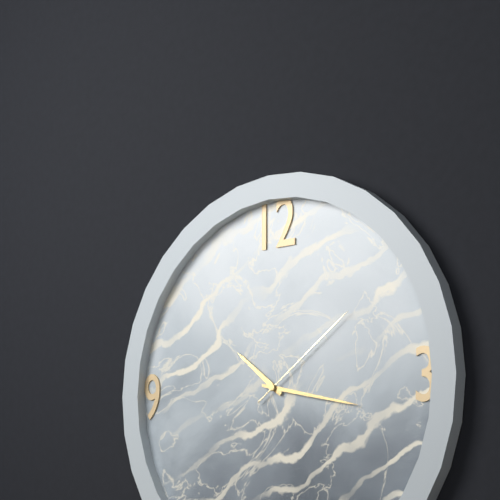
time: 10:17:09
